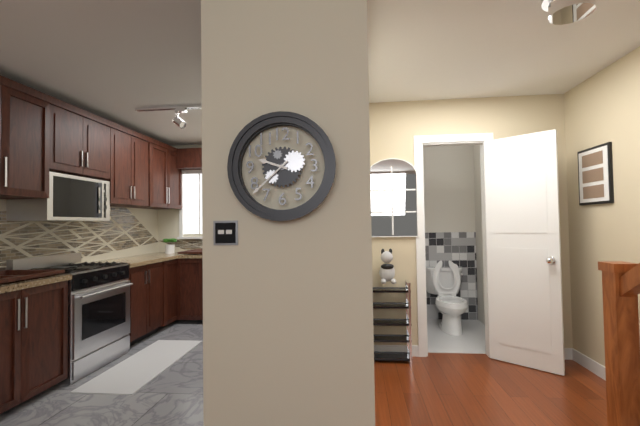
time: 9:38
